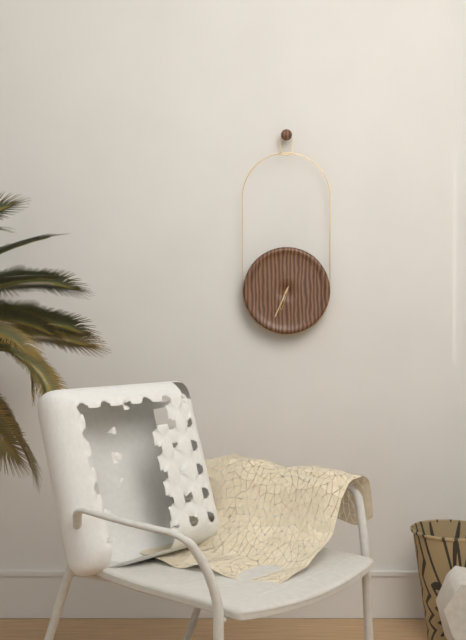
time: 6:34
